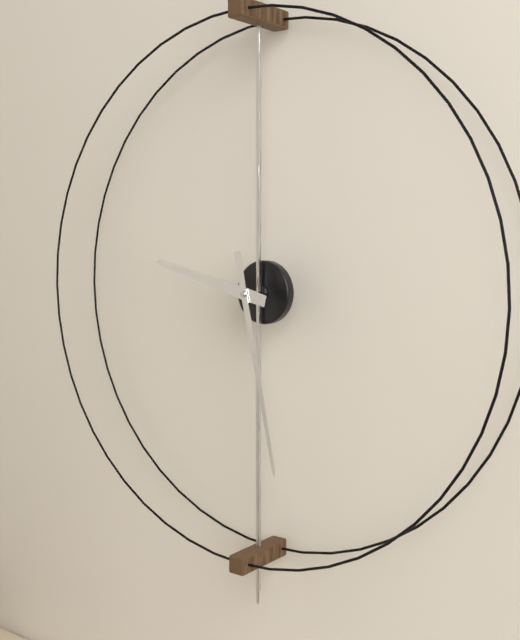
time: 9:28
